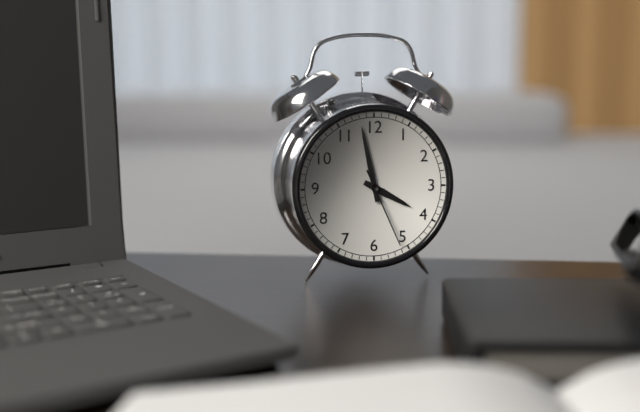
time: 3:58:26
